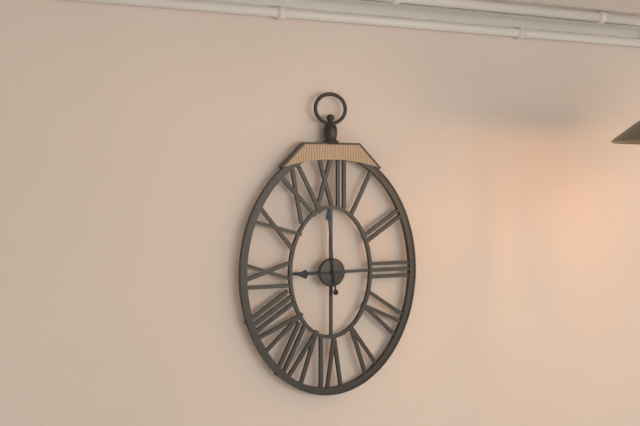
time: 8:59
